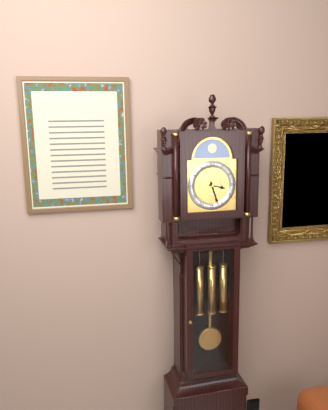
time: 3:27
